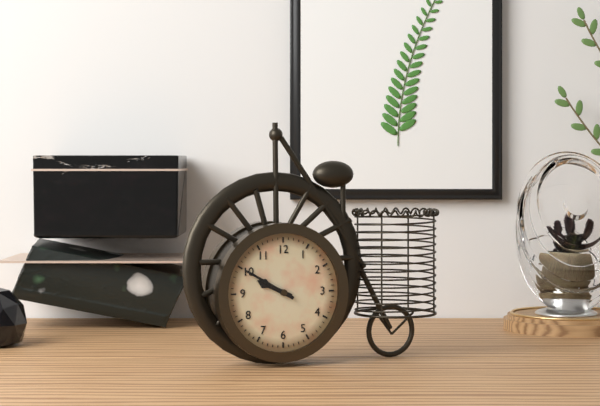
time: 9:50
